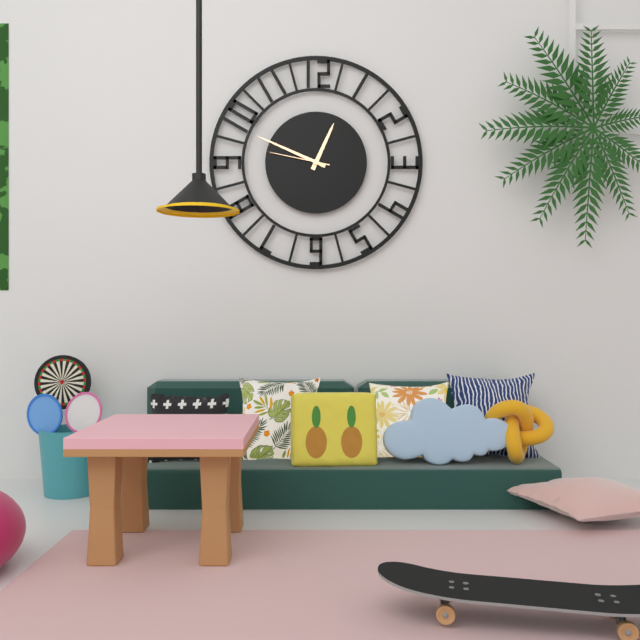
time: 12:49:47
